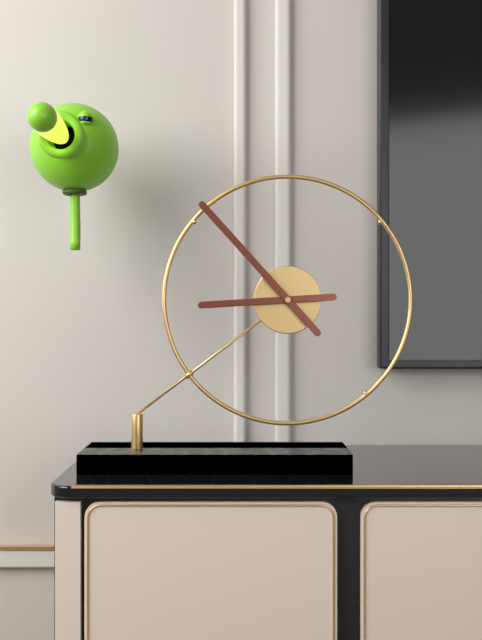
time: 8:53
